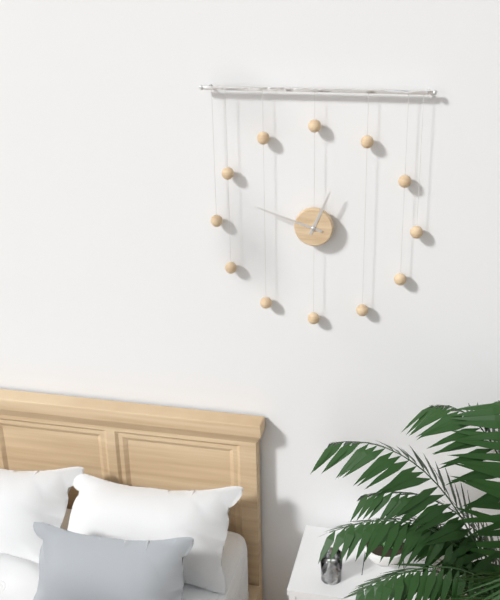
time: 12:48
